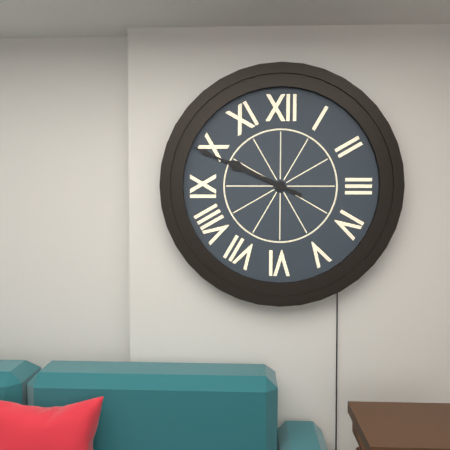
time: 9:49
